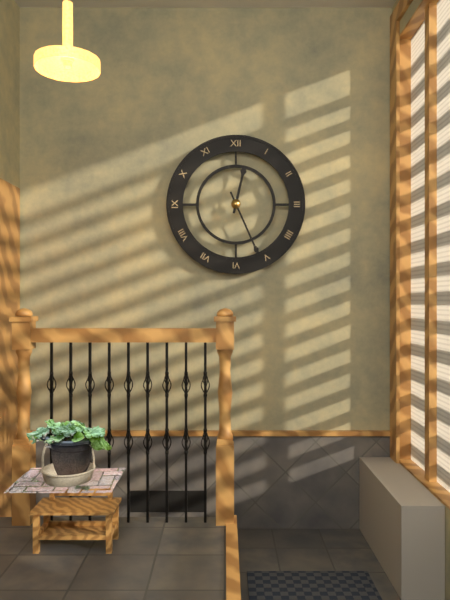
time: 12:26
